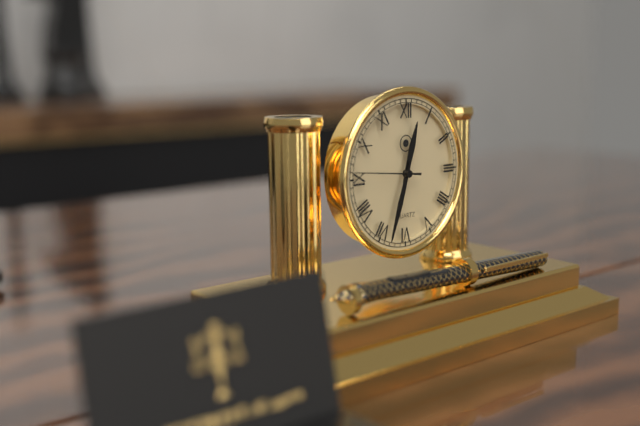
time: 12:33:46
